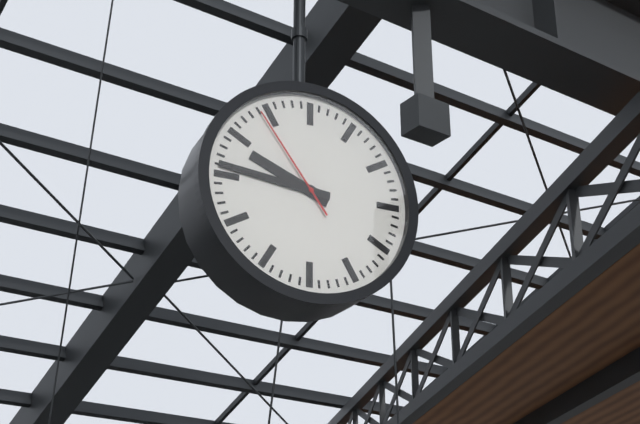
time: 9:46:54
